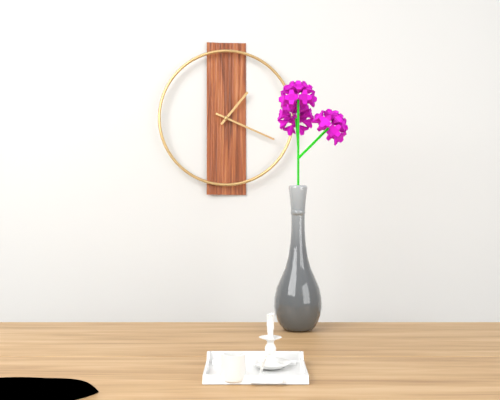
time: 1:19
